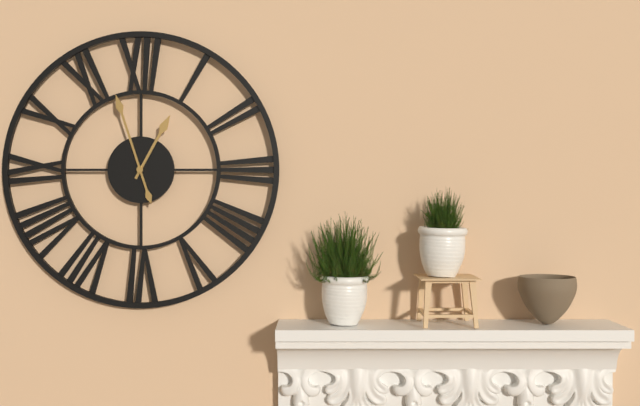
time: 12:57
